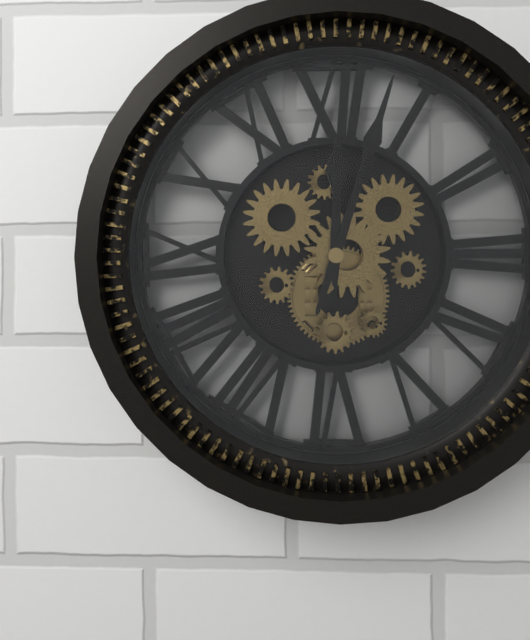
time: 12:03
